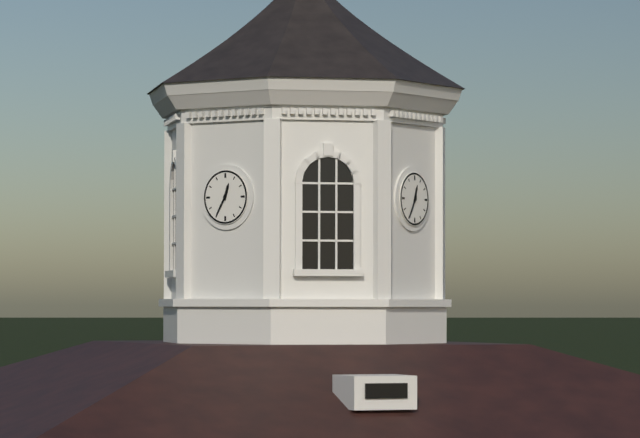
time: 12:35
